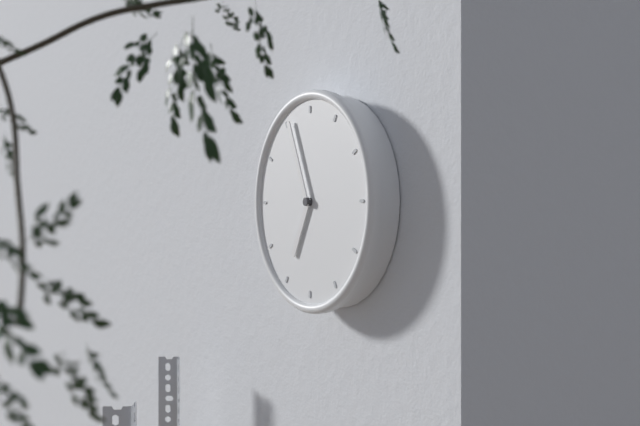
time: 6:56
